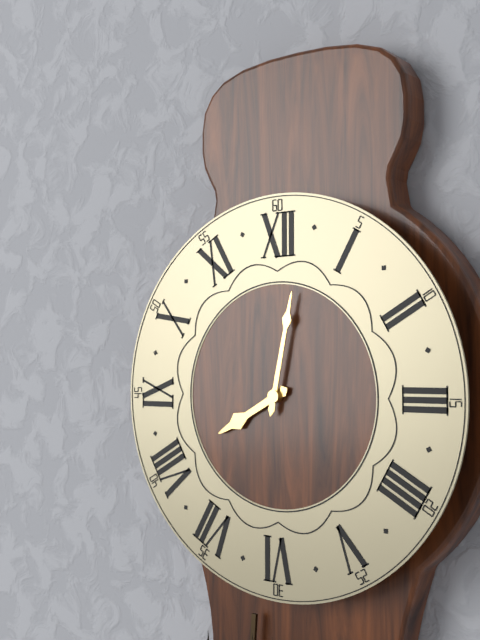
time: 8:02
